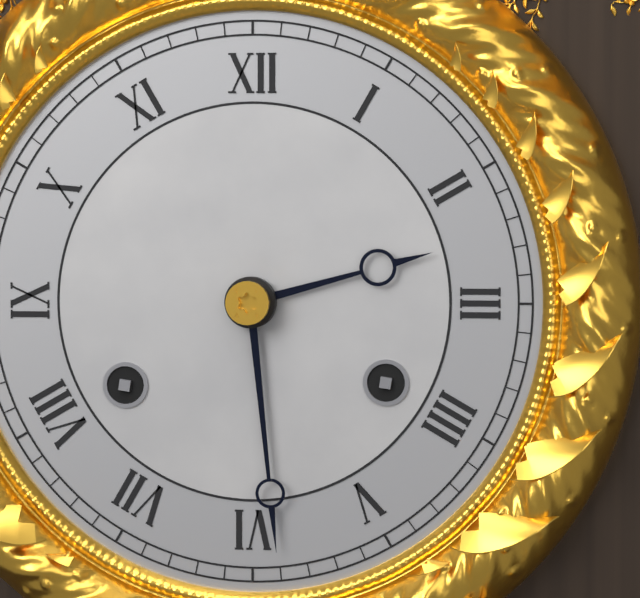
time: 2:29
